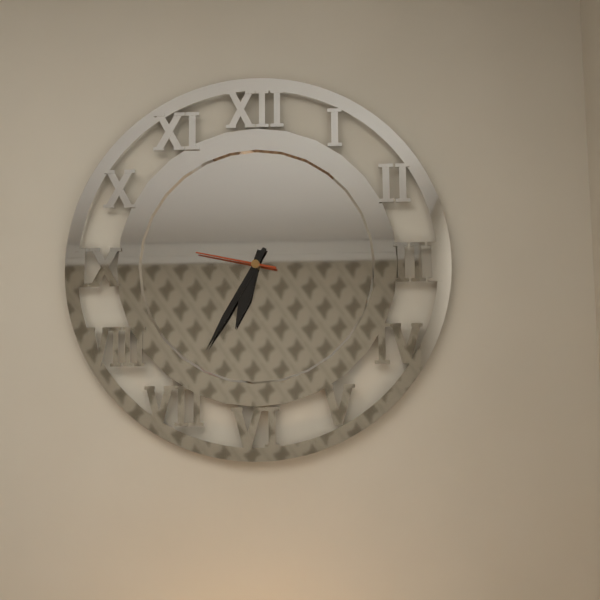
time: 6:35:47
